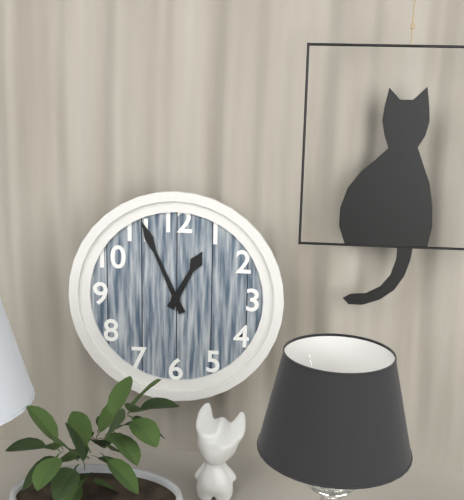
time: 12:56
